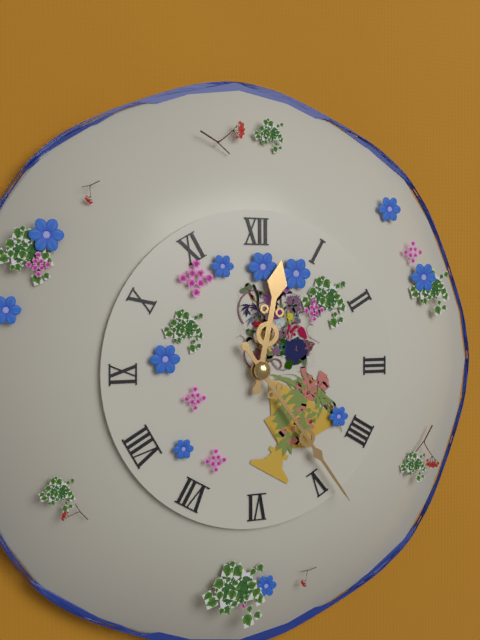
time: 12:24
